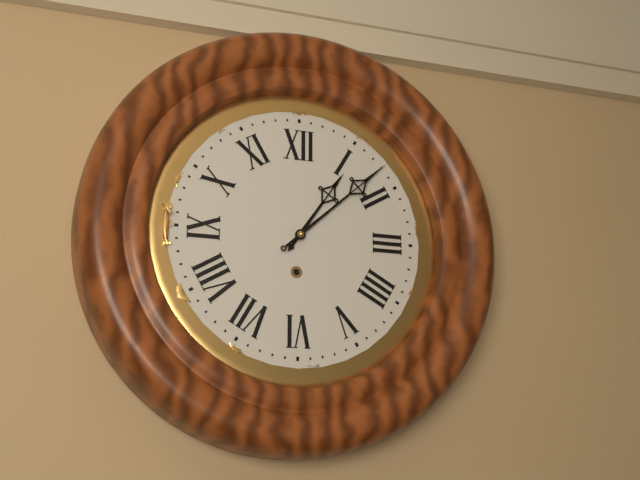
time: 1:08
